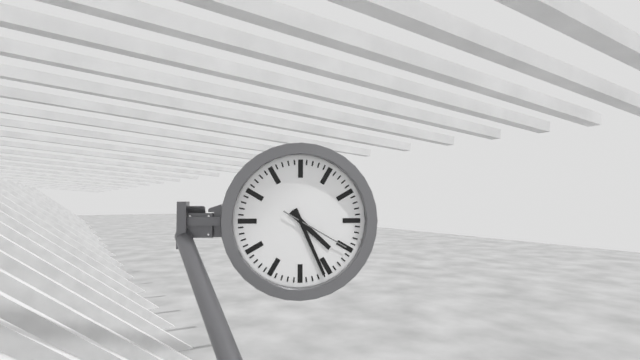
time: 4:26:20
